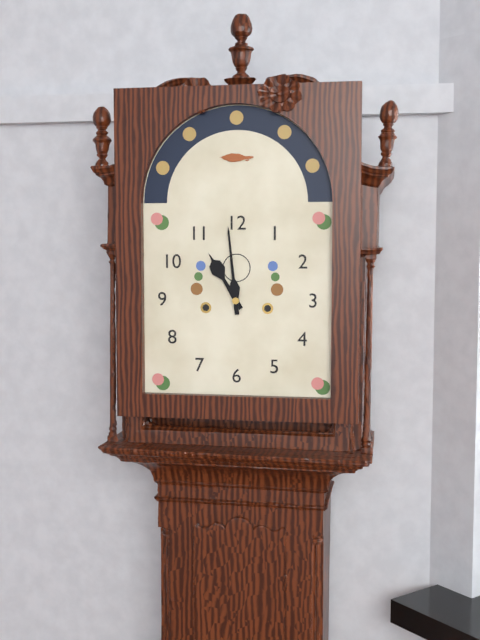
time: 10:59
